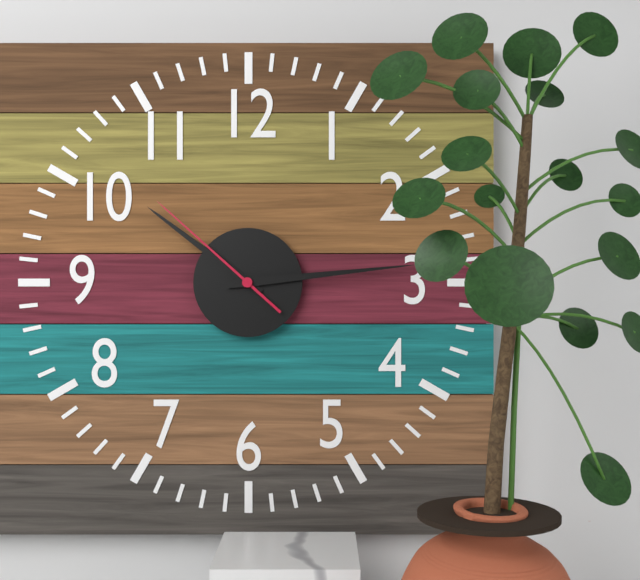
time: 10:14:52
